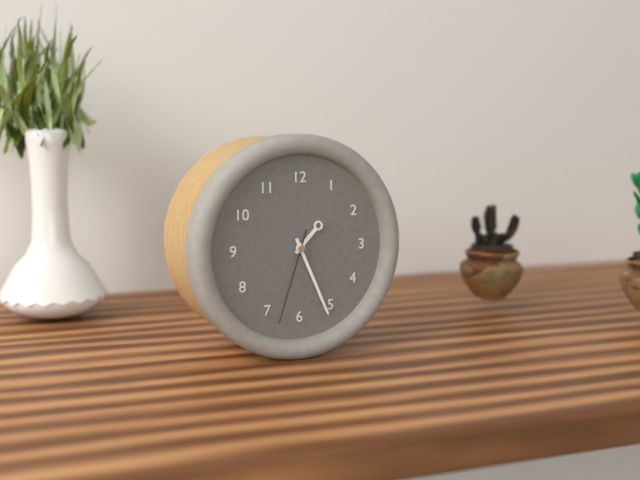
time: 1:26:33
